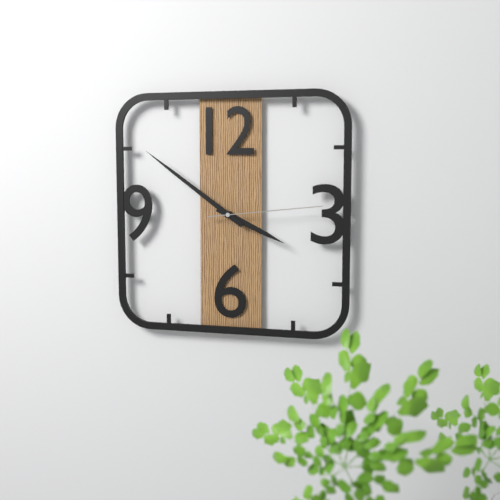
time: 3:51:14
